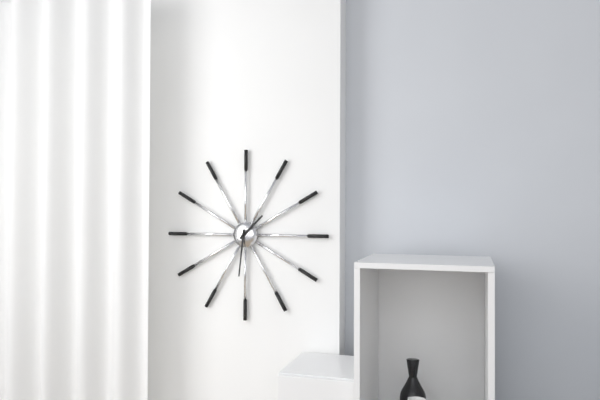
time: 1:31
